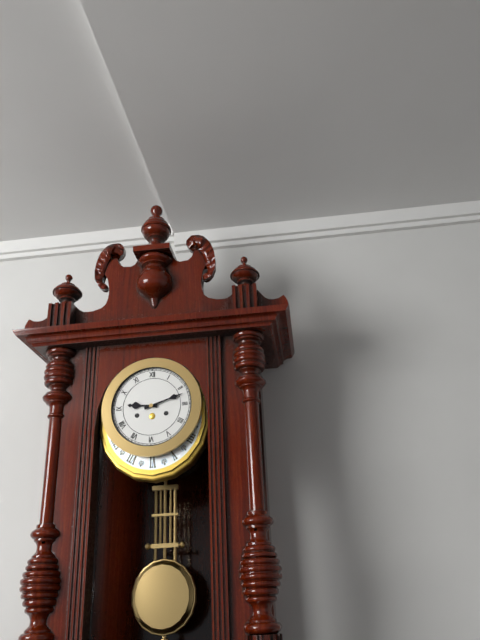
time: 9:12
